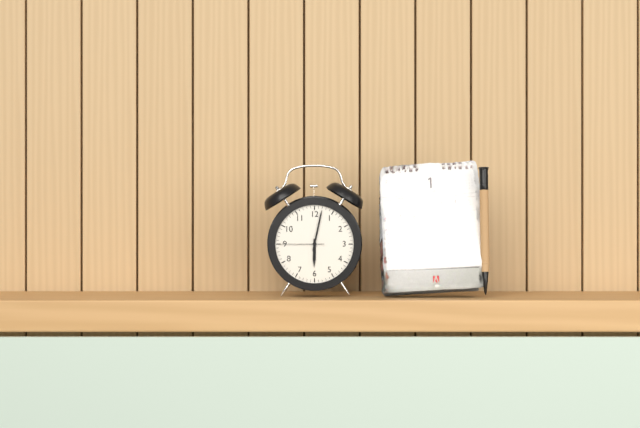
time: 6:02
